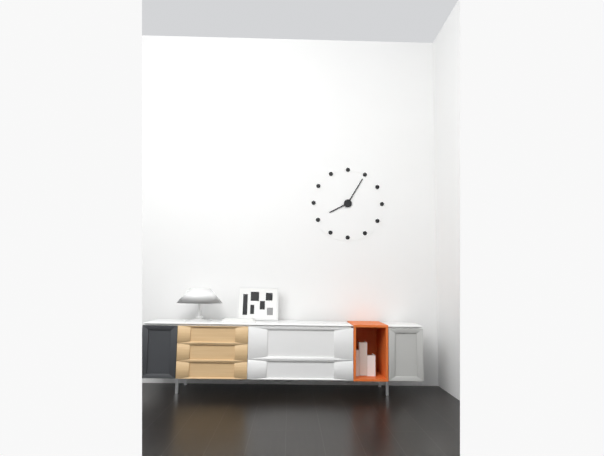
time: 8:05
